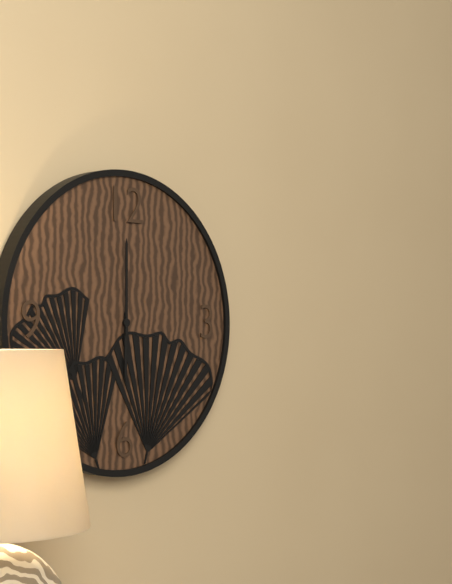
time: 6:00
